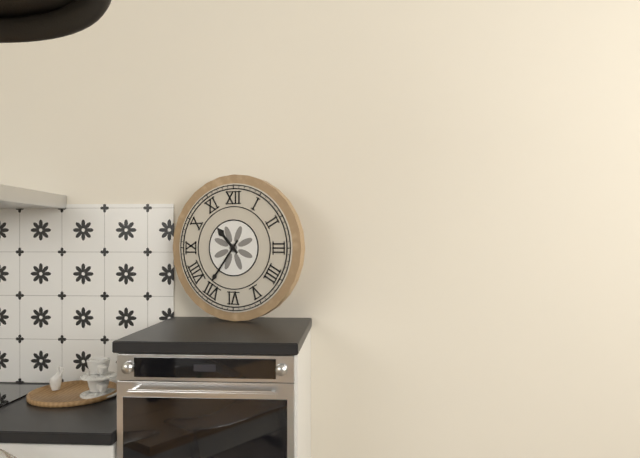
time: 10:36
